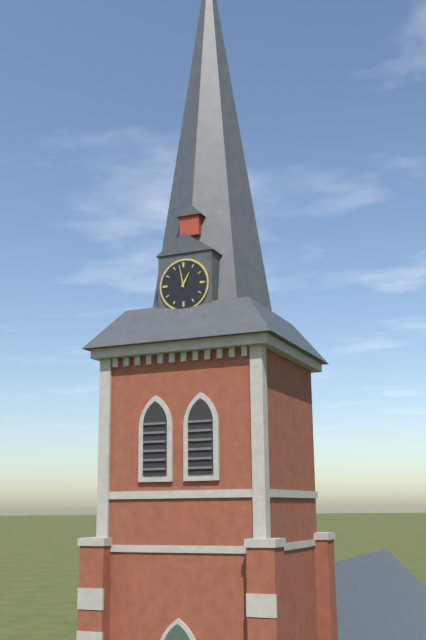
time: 12:58
